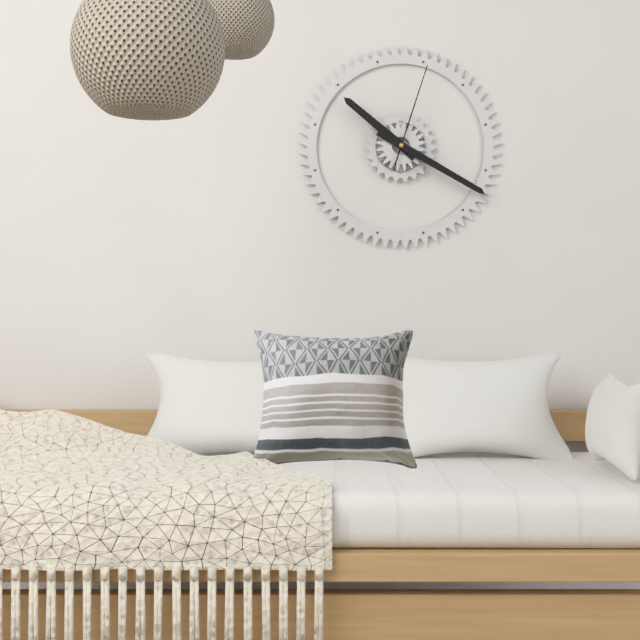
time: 10:20:03
